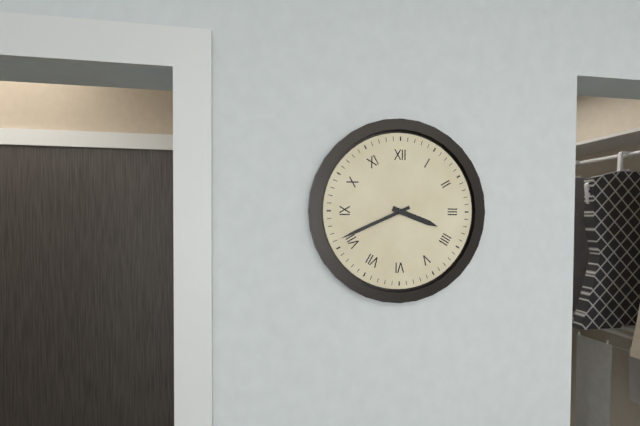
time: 3:41
